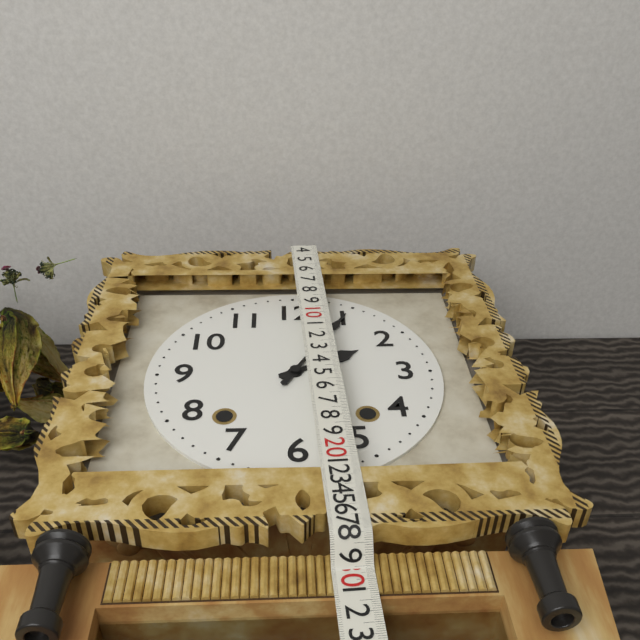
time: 2:05
